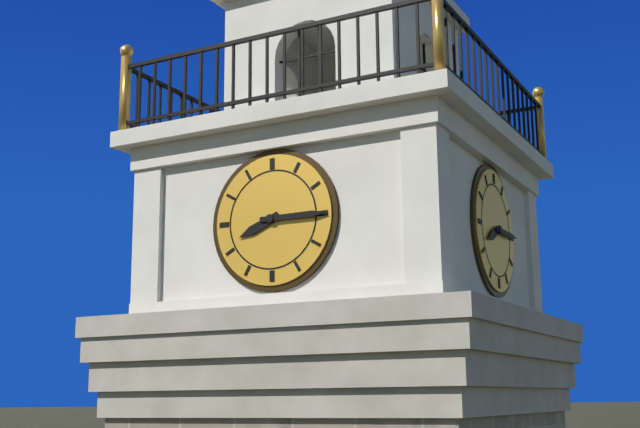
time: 8:15
